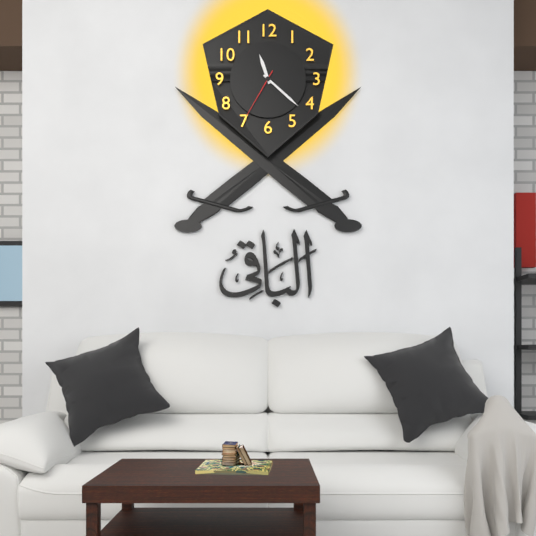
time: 11:22:35
